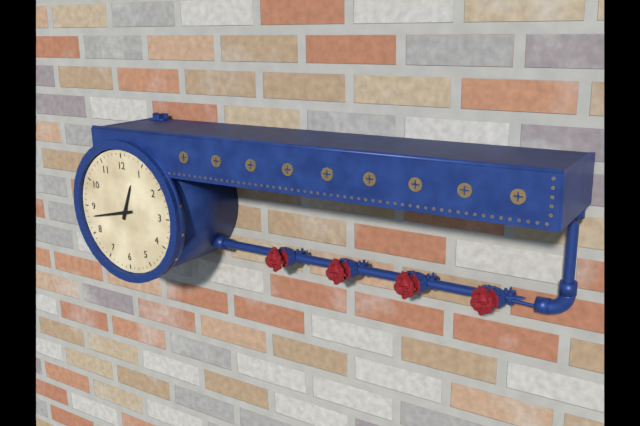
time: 12:43
